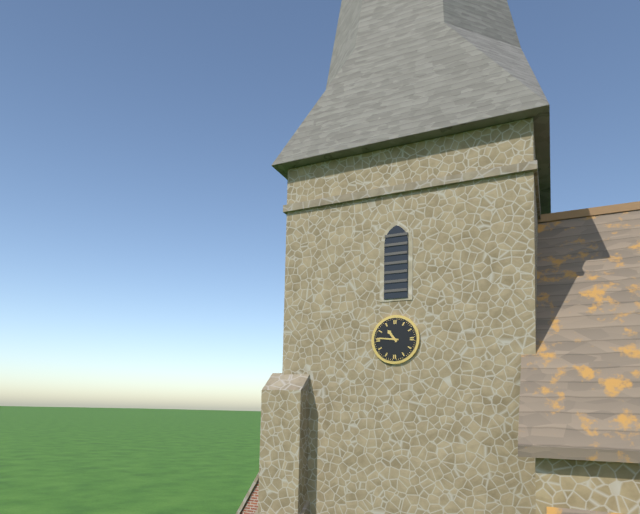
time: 10:46
